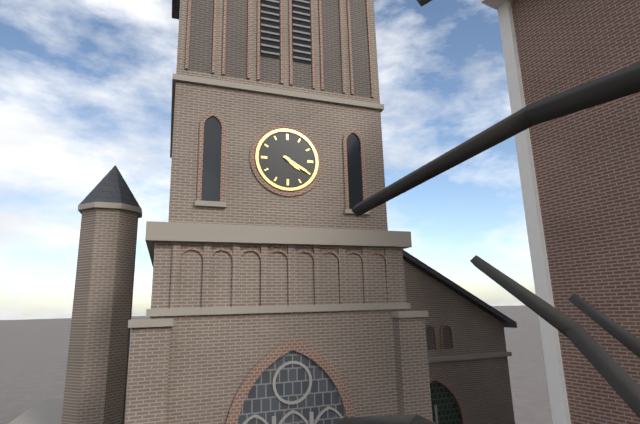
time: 4:20
